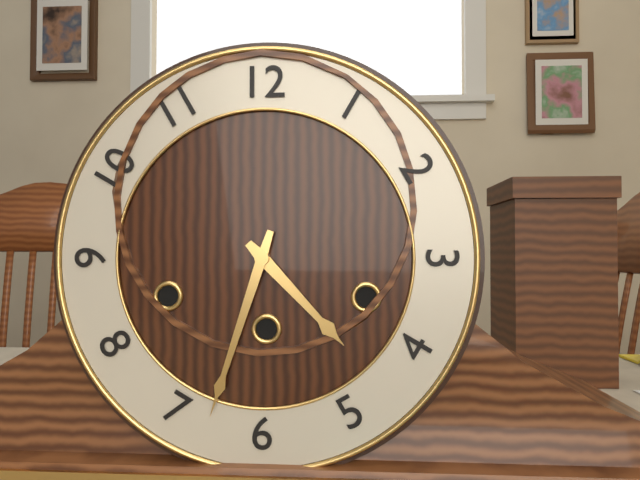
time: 4:33
